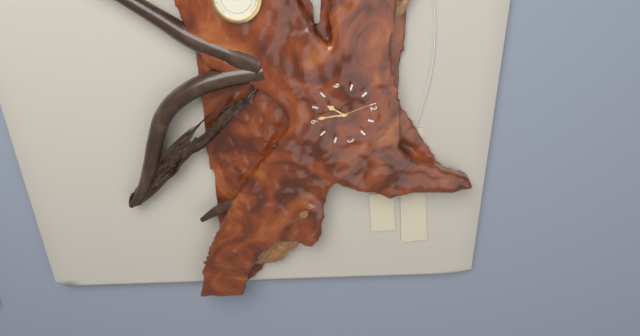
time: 7:31
